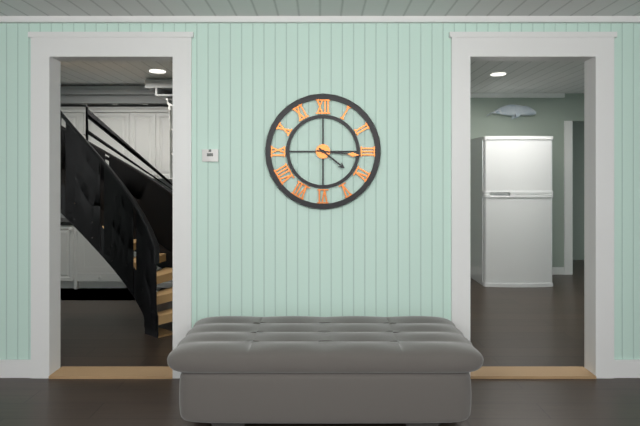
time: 4:16
